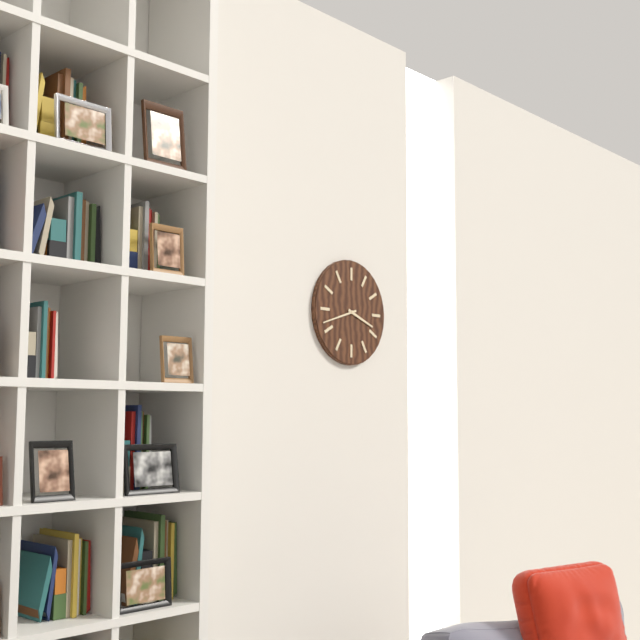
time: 3:42
